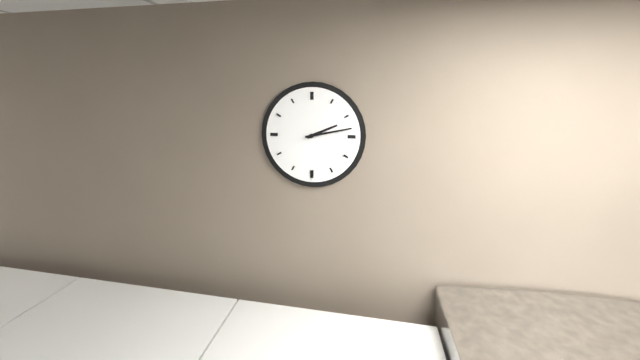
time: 2:13
